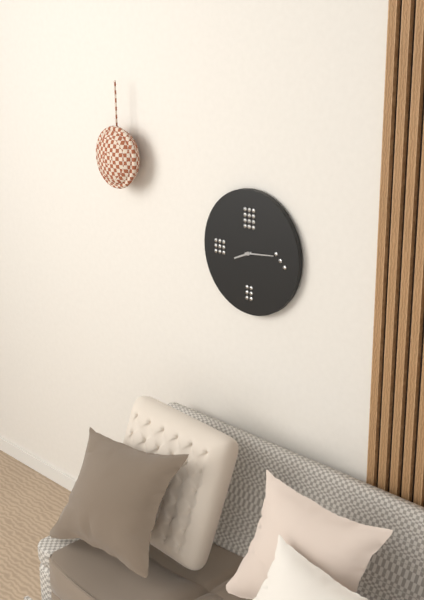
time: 8:14
